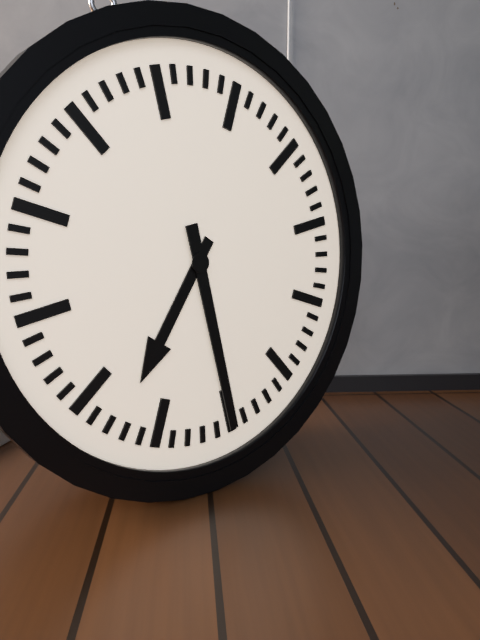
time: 7:30
